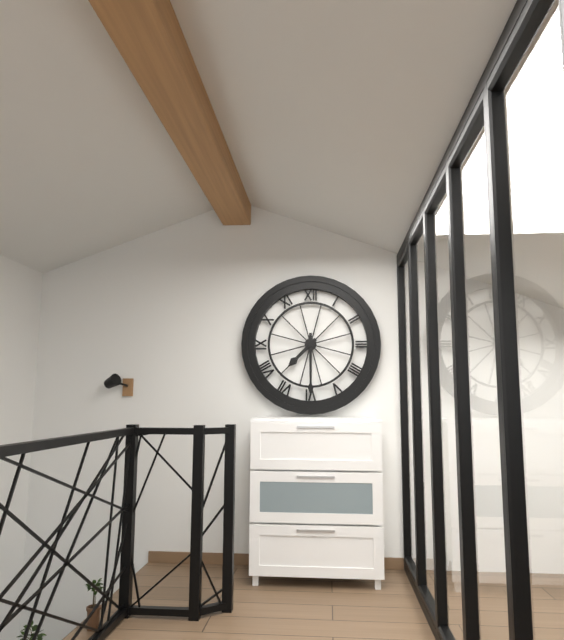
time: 7:30
